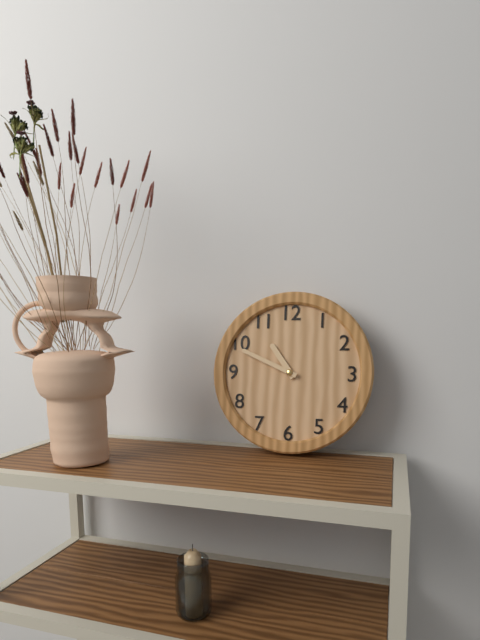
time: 10:49
